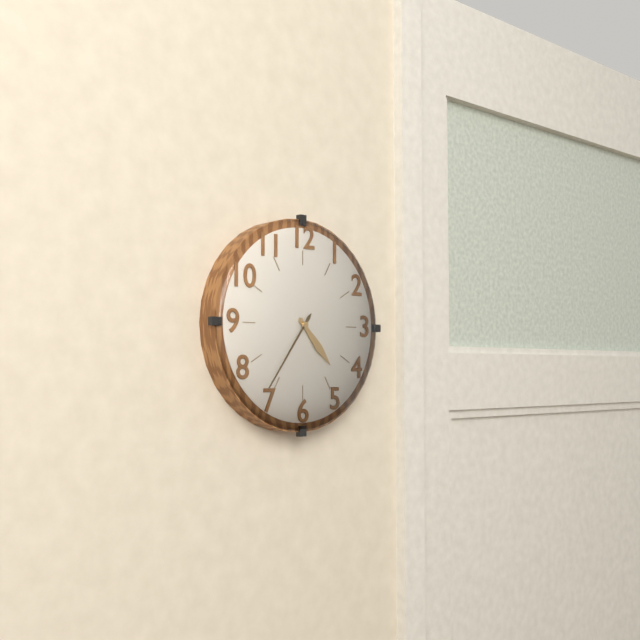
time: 4:36
